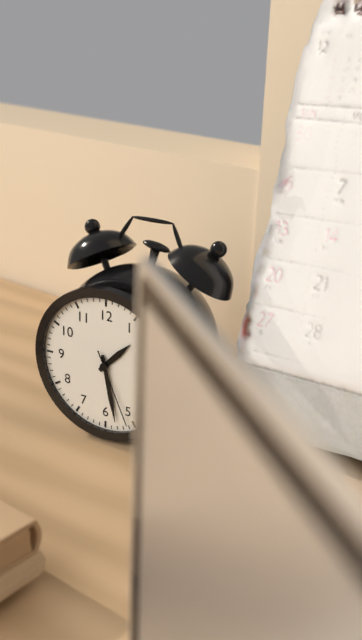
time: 1:28:26
